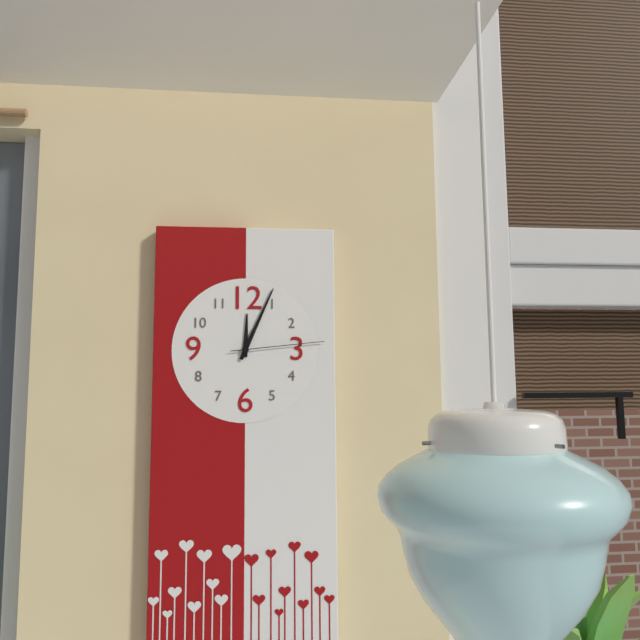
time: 12:04:14
